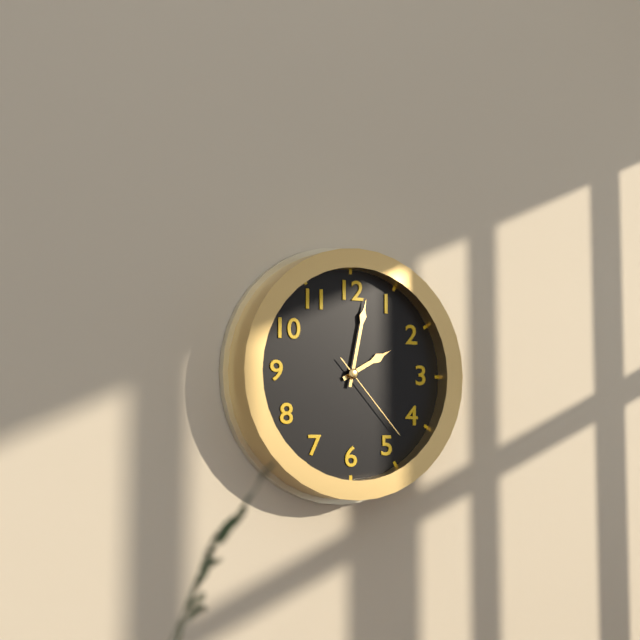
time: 2:02:23
